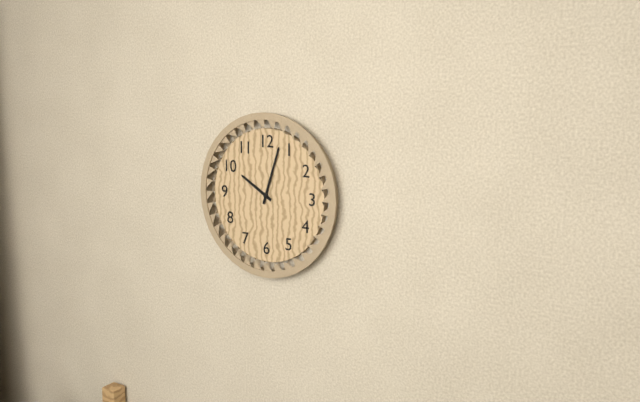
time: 10:03
